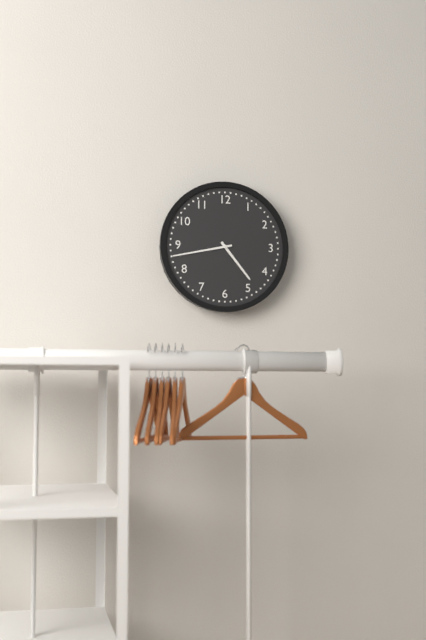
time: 4:43
